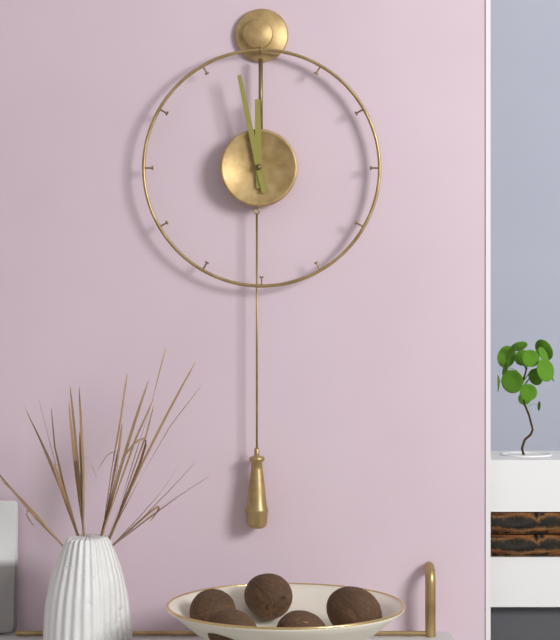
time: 11:58
